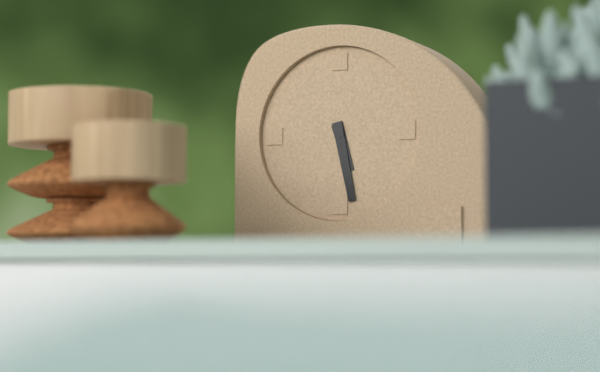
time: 5:28
